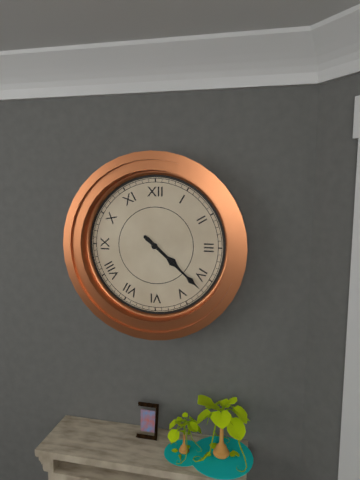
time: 4:22
